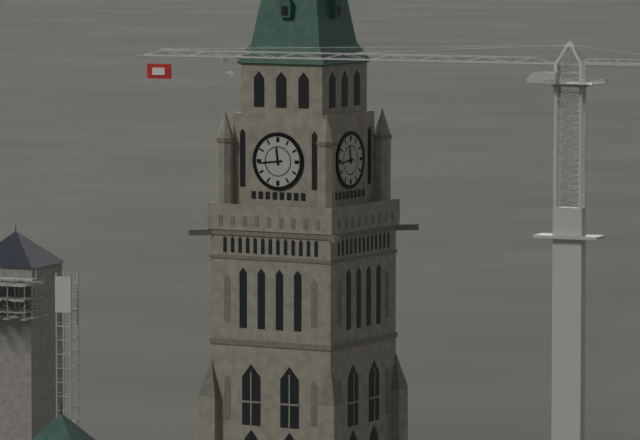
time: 11:44
